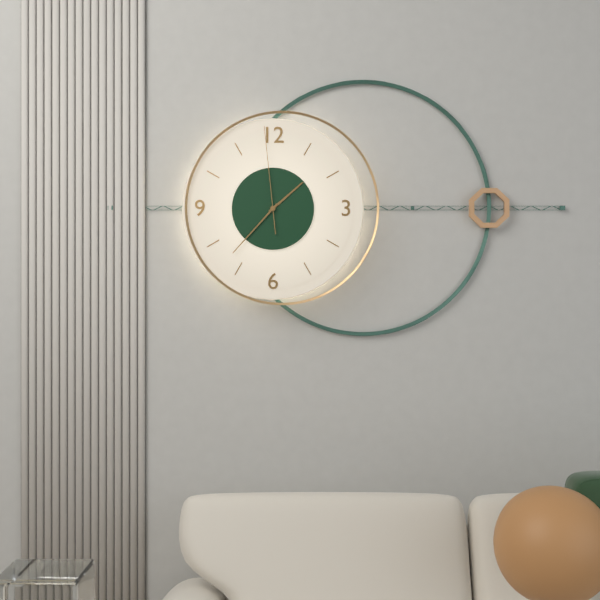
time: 1:37:59
